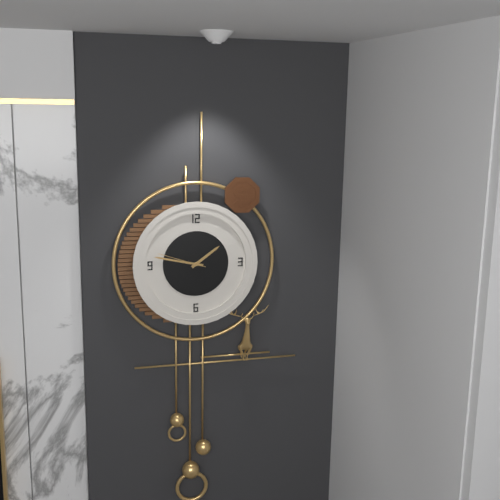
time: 1:47
